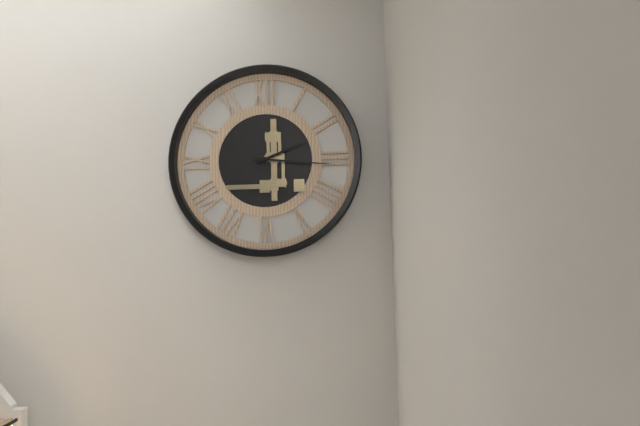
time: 2:16
